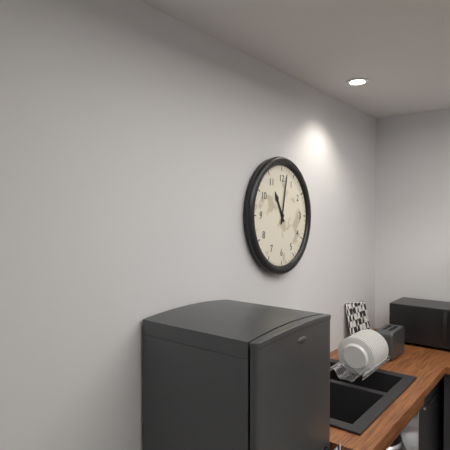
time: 11:02
